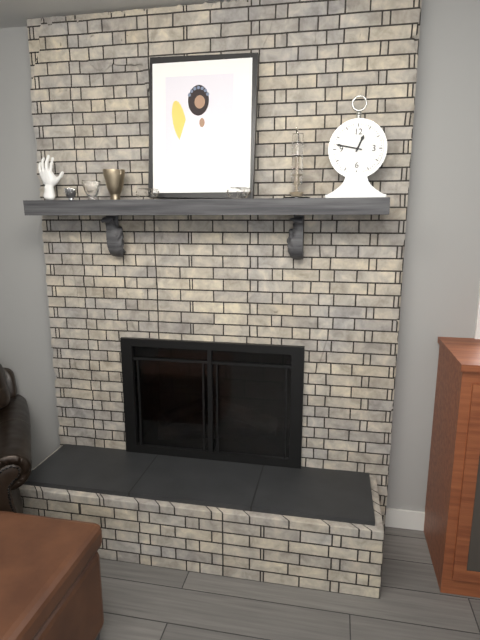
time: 12:47
